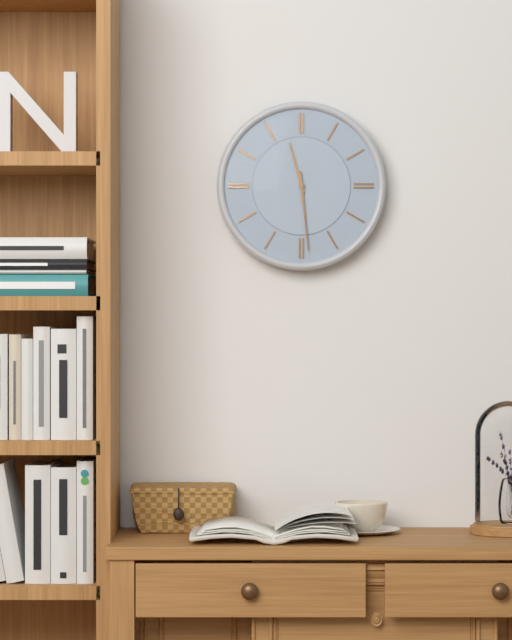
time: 11:29
